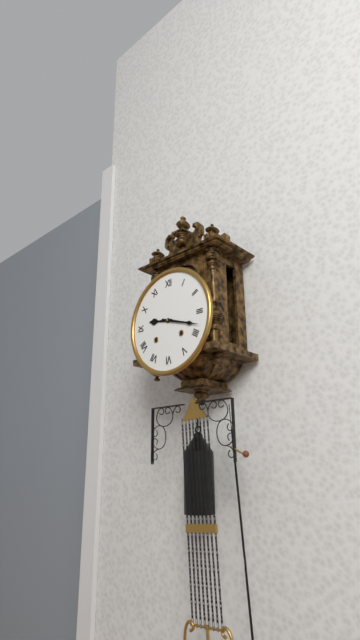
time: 9:18
